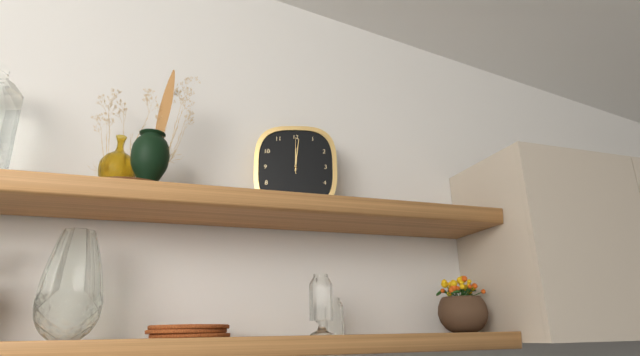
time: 12:01
